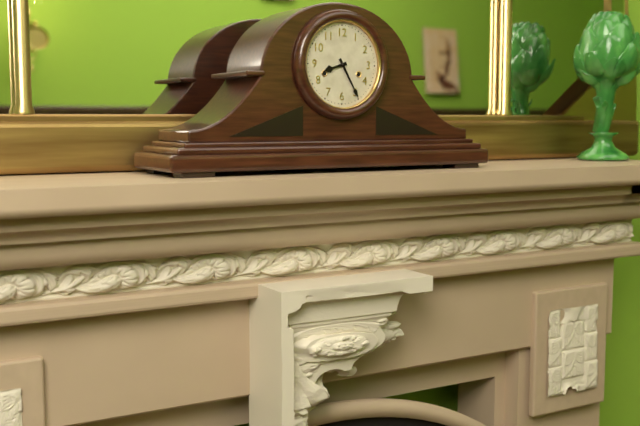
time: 8:25
